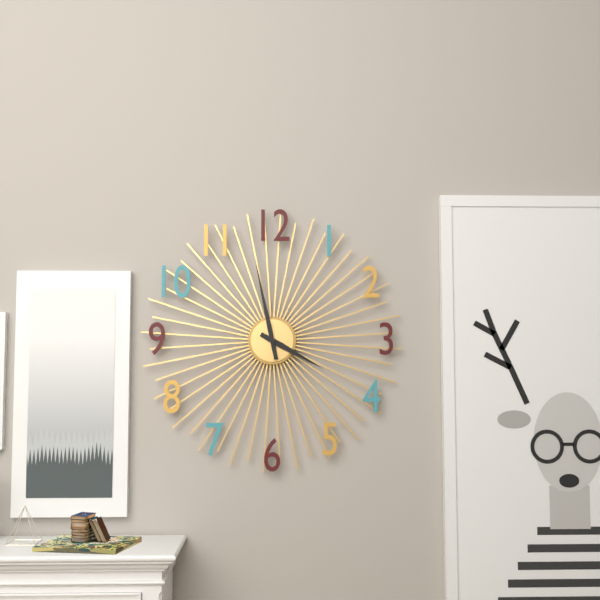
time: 3:58
